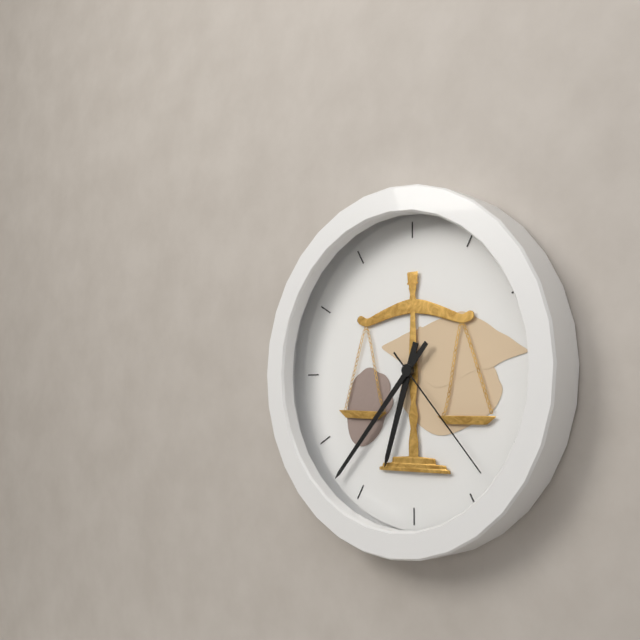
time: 6:37:23
